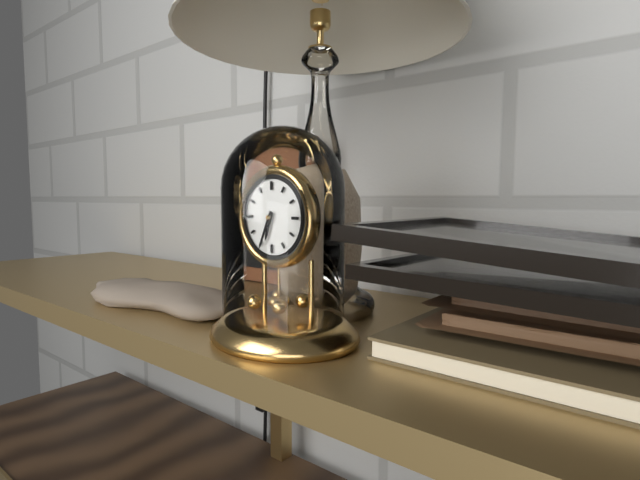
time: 6:34
